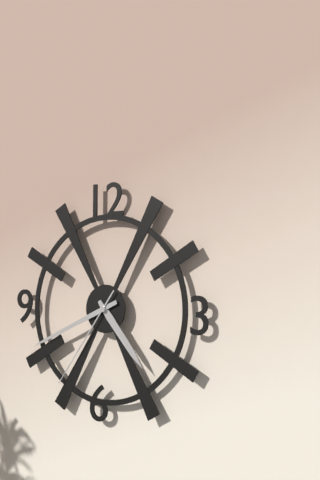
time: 4:41:36
